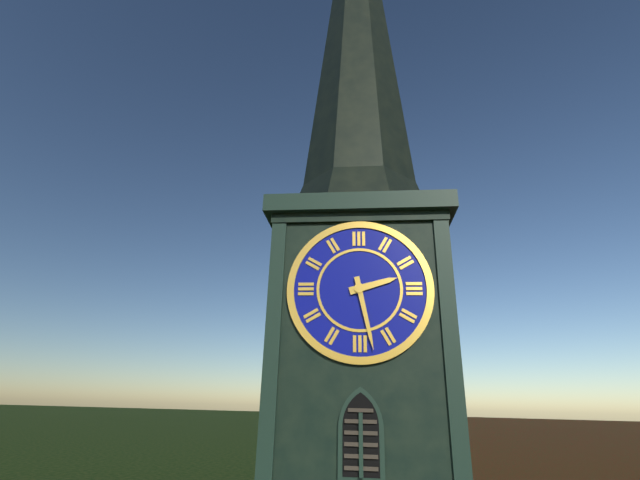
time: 2:28
